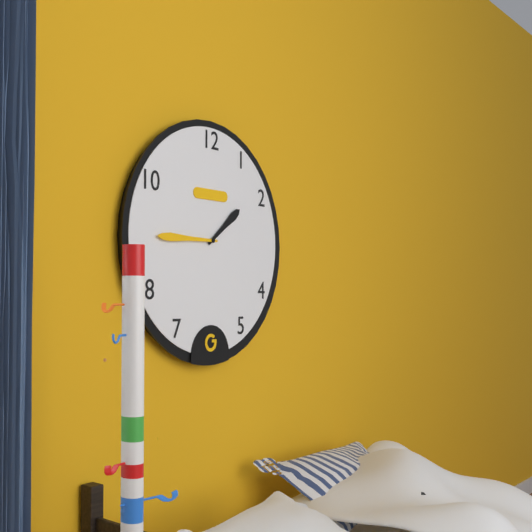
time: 1:45
